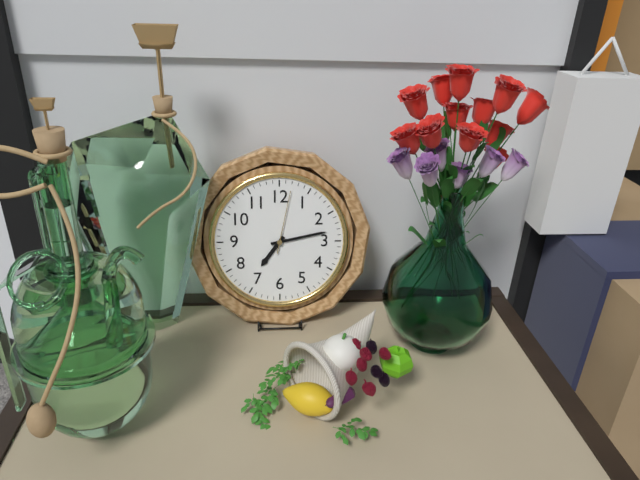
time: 7:13:02
